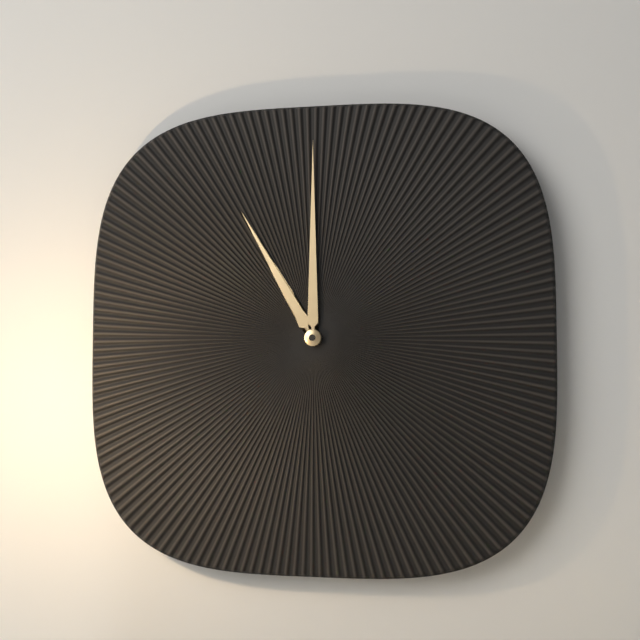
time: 11:00
